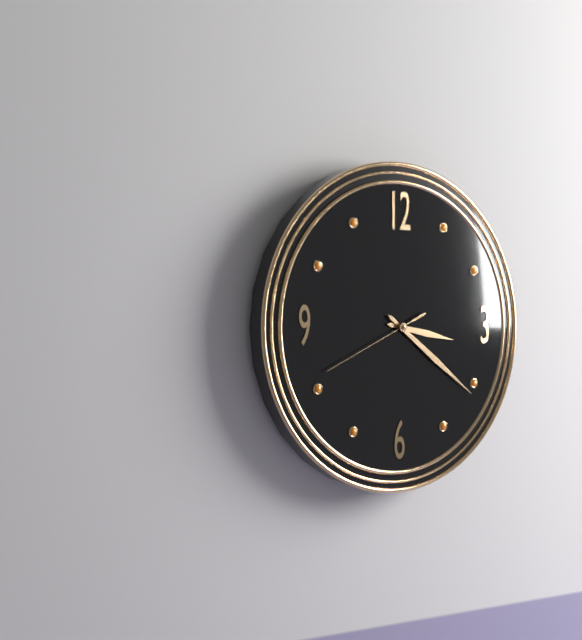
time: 3:21:41
